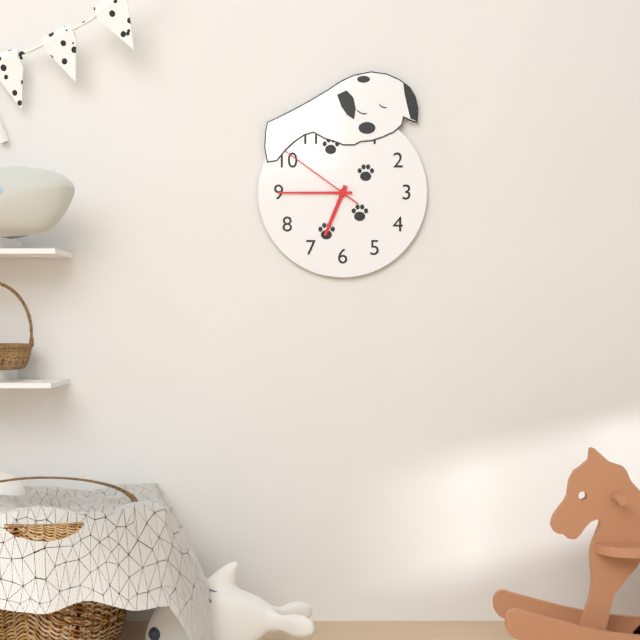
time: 6:45:51
